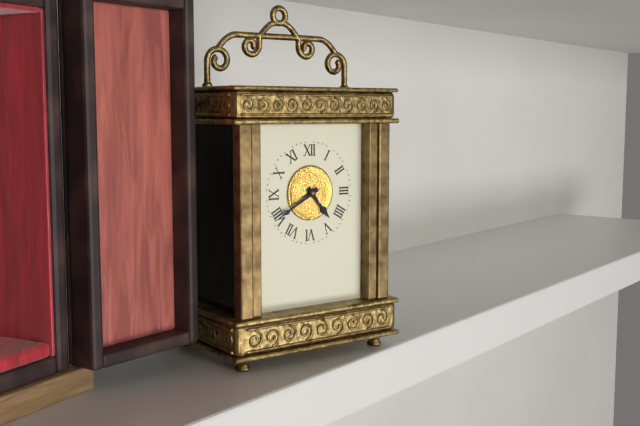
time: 4:40
